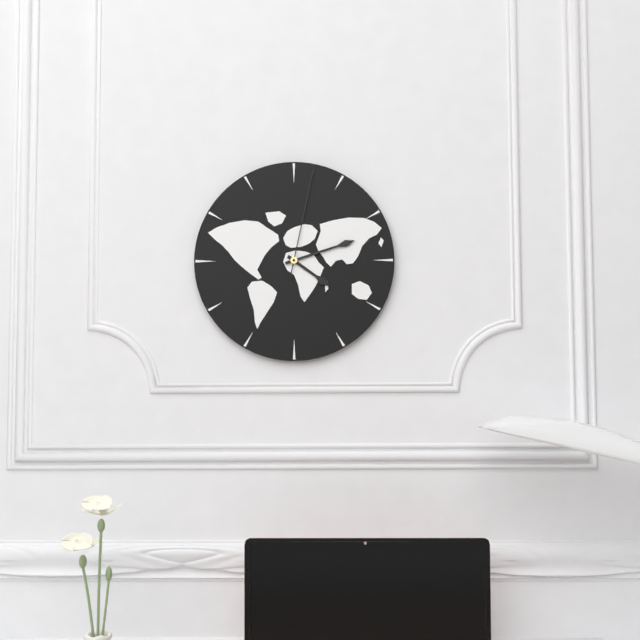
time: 4:12:02
